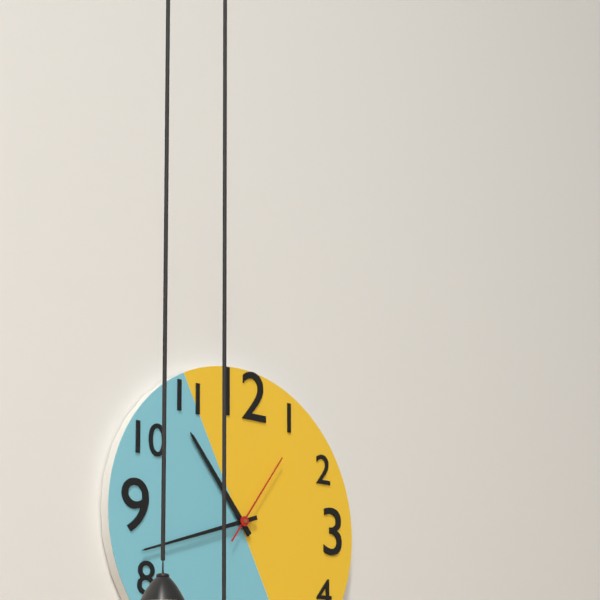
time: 10:42:06
